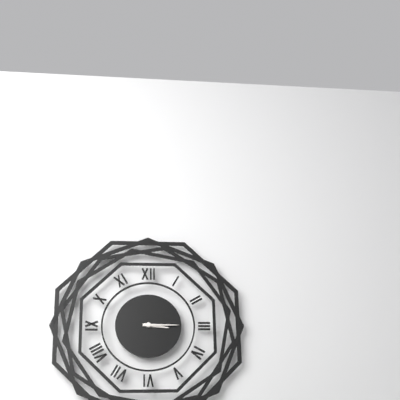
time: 3:15
